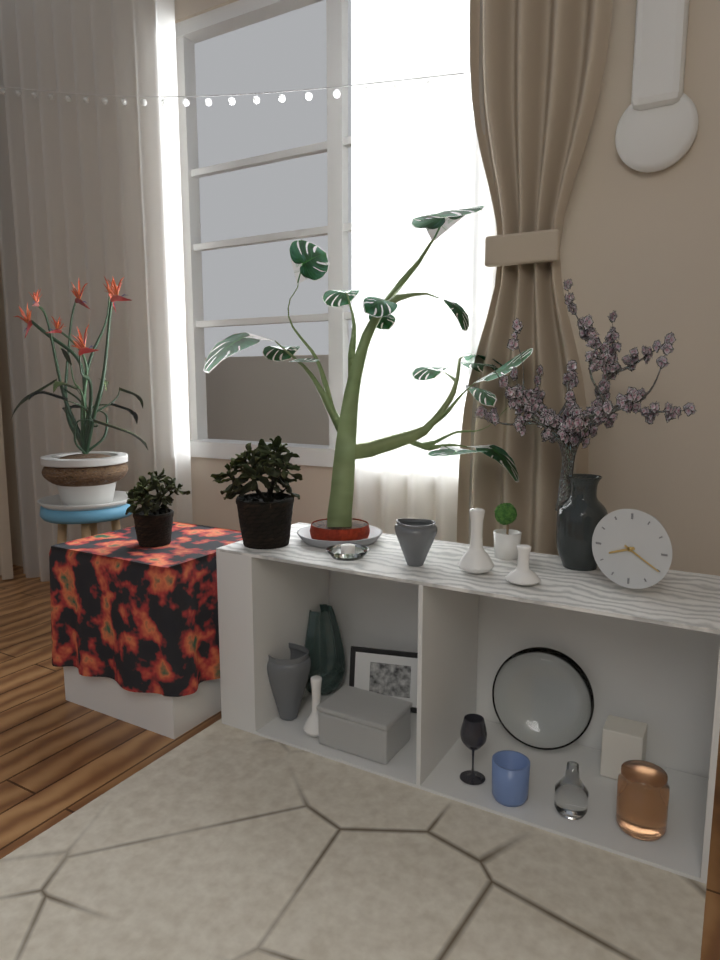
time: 8:20
